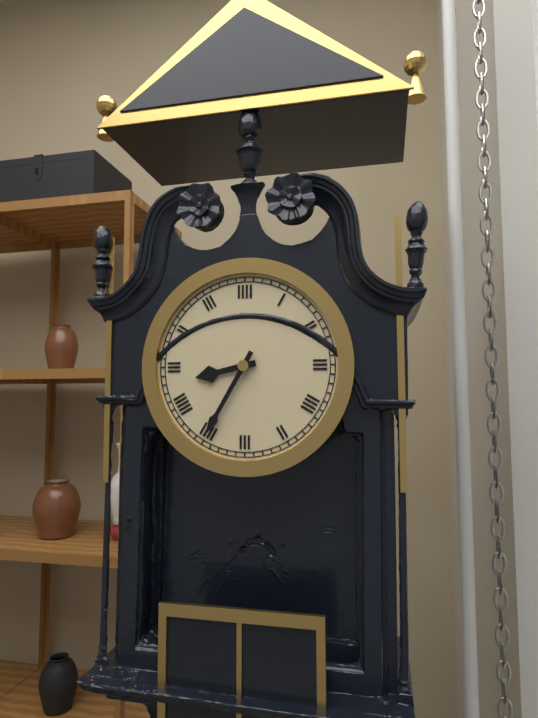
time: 8:35
